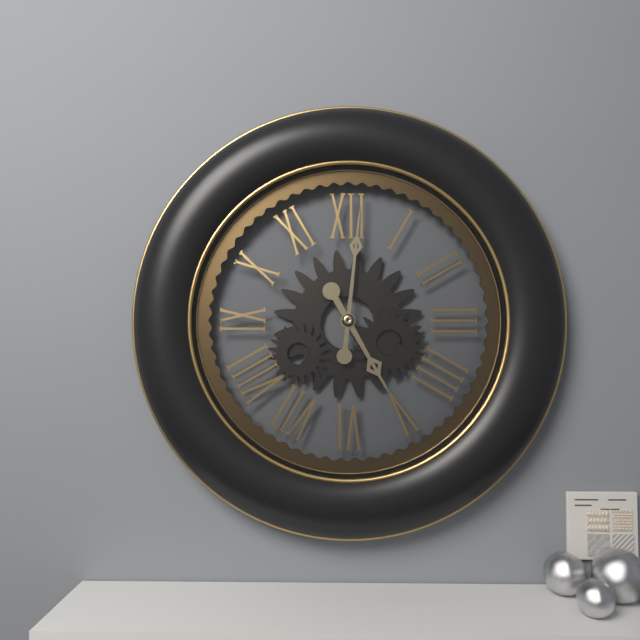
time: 5:01
